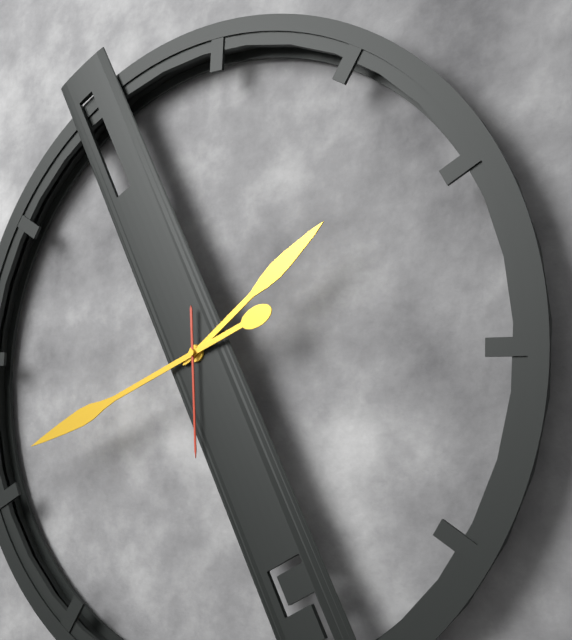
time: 1:41:29
